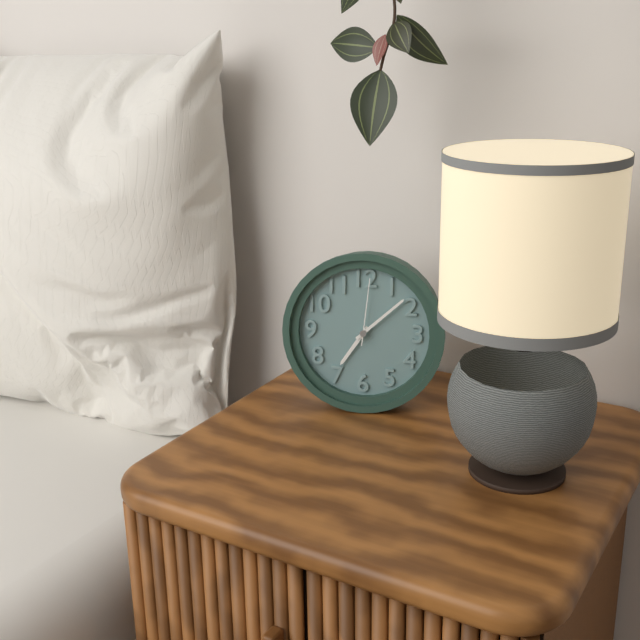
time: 7:08:01
